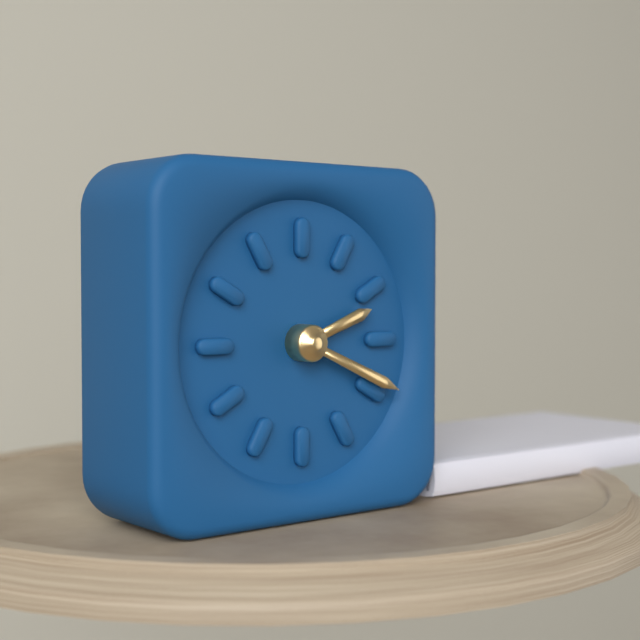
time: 2:19
